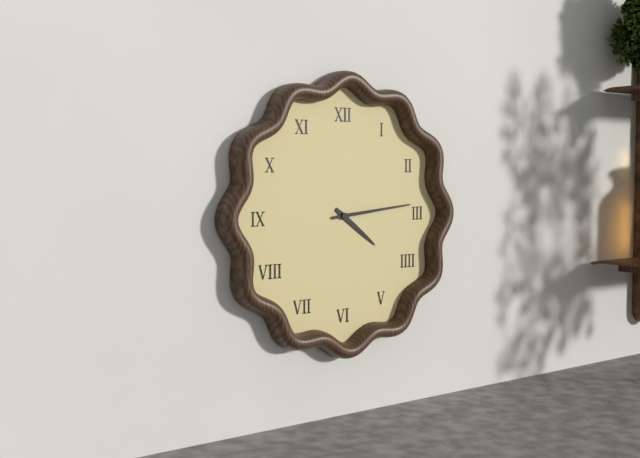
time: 4:14
